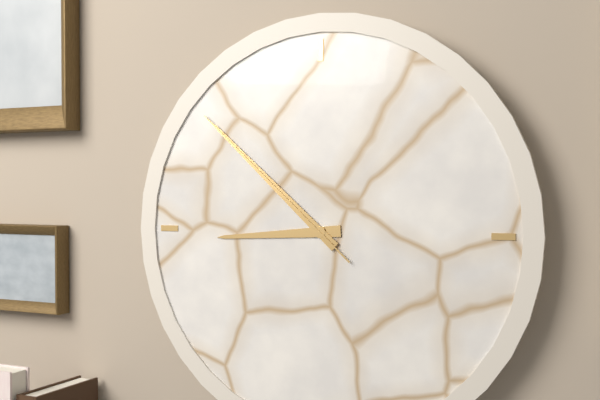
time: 8:52:52
